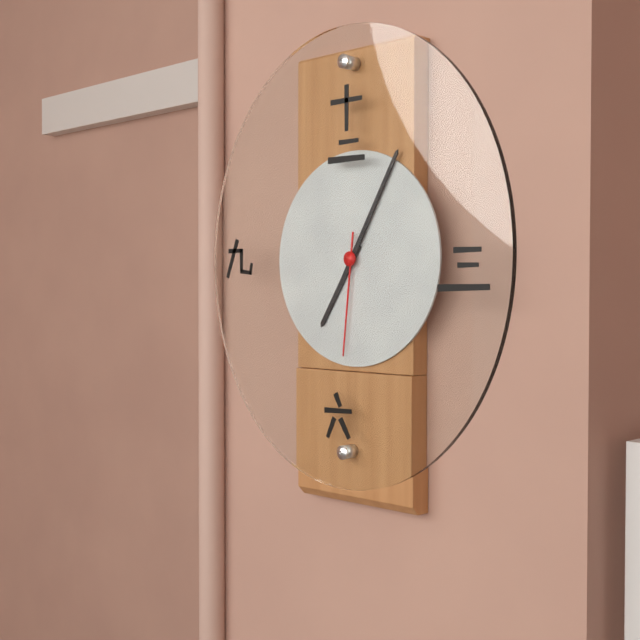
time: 7:05:31
